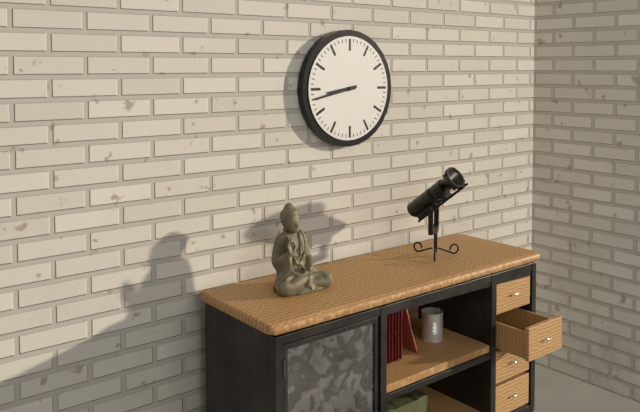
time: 8:43
